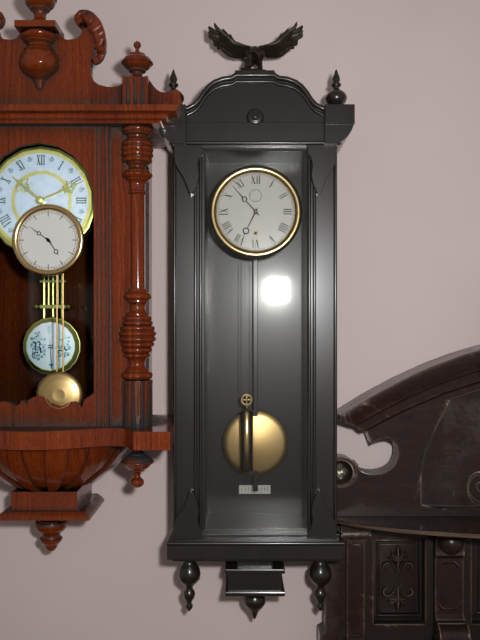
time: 6:53
